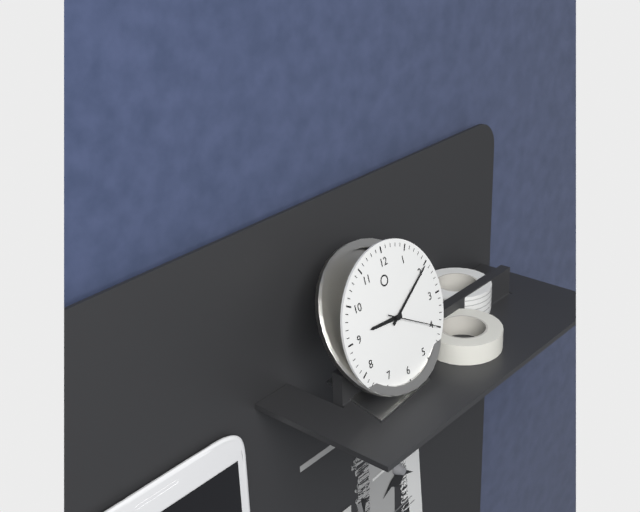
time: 9:10:20
